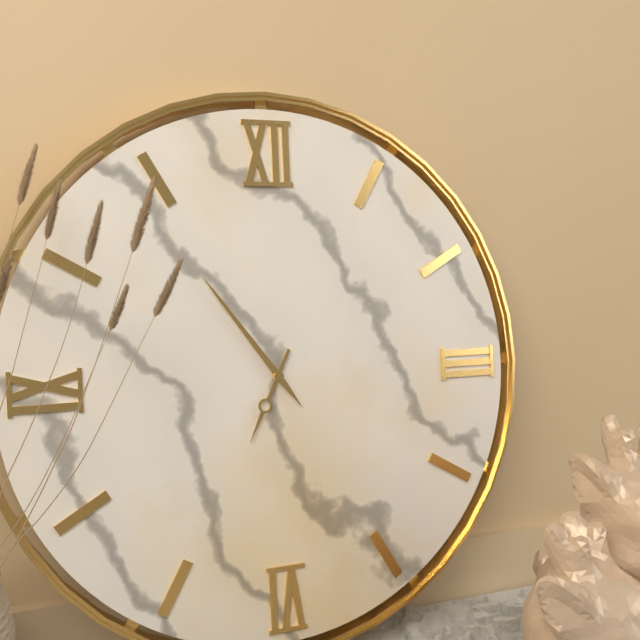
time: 6:54
